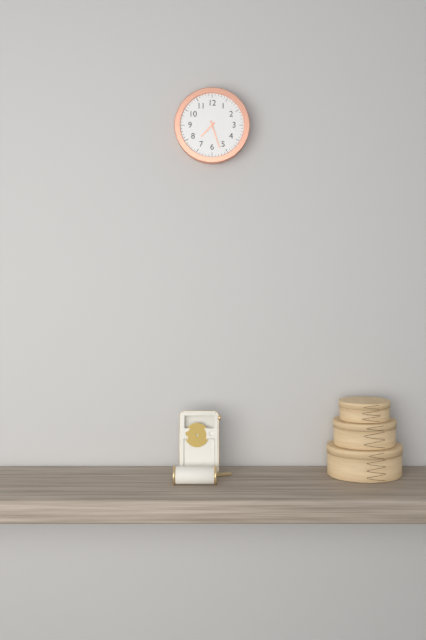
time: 7:27
